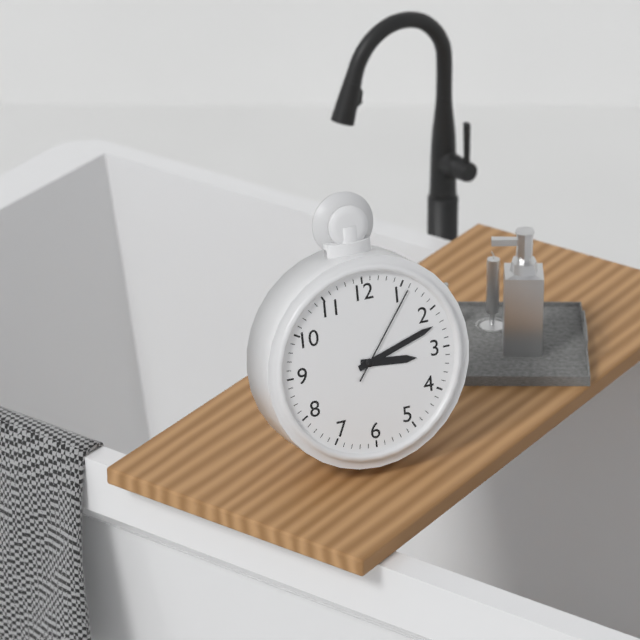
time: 3:12:06
